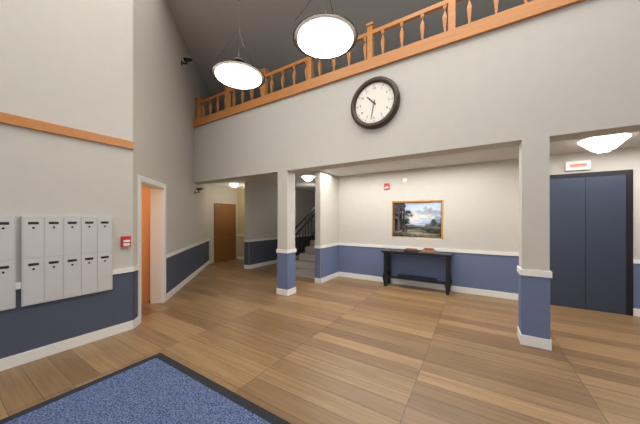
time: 10:32
